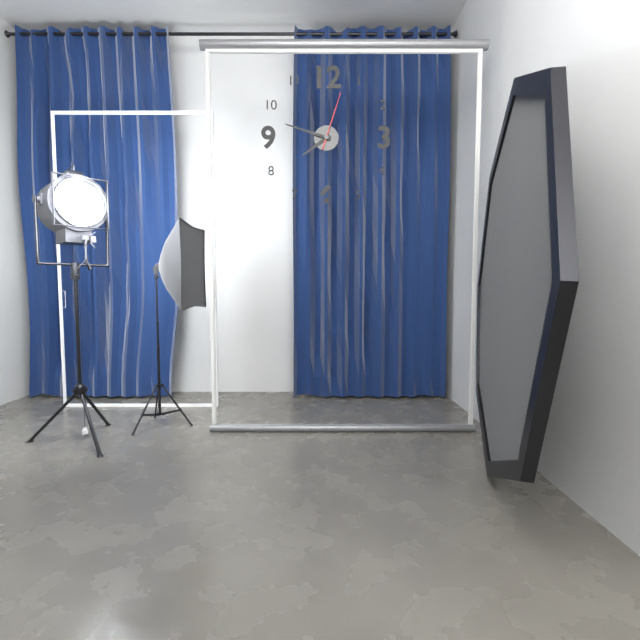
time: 7:48:03
